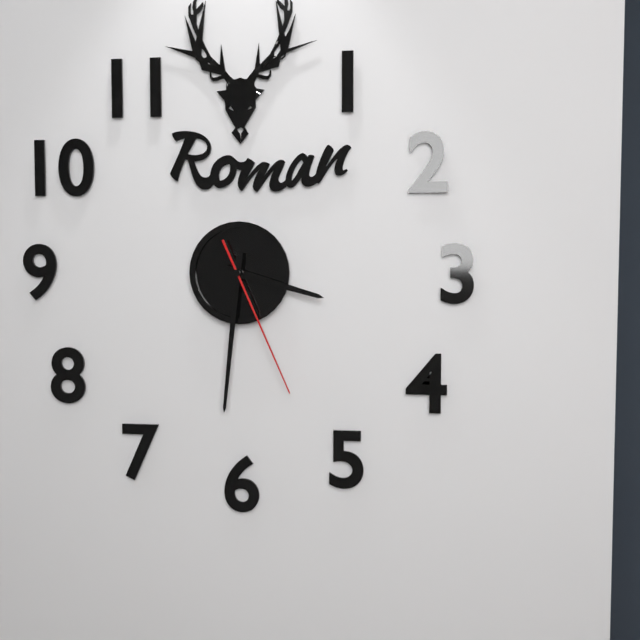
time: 3:31:26
